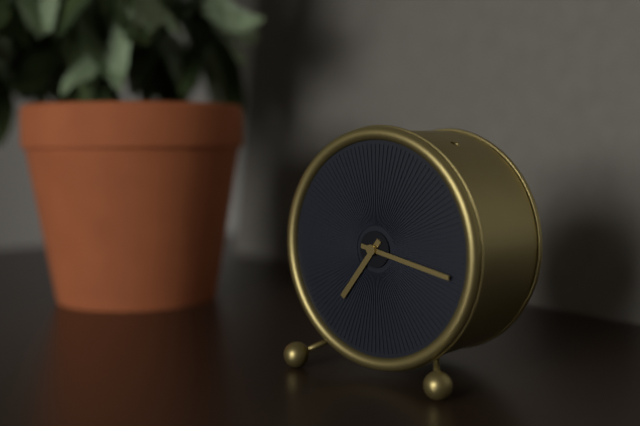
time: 7:17
